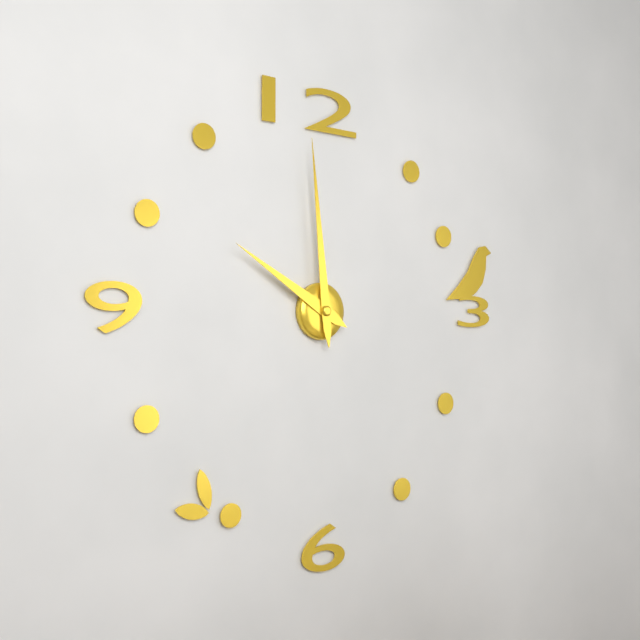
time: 9:59
